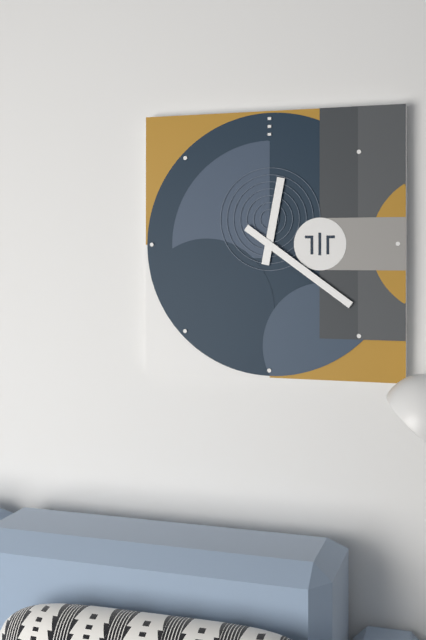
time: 12:21
